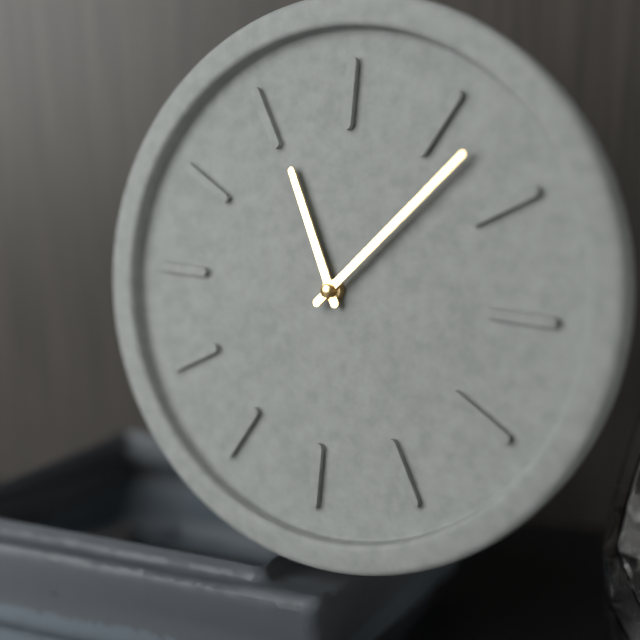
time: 11:07
